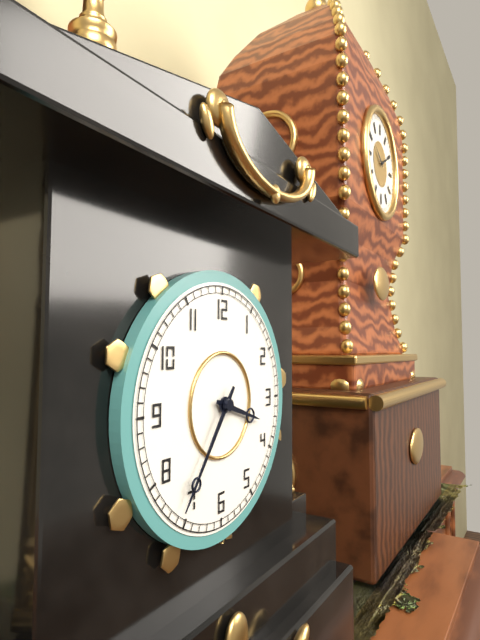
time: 3:36
